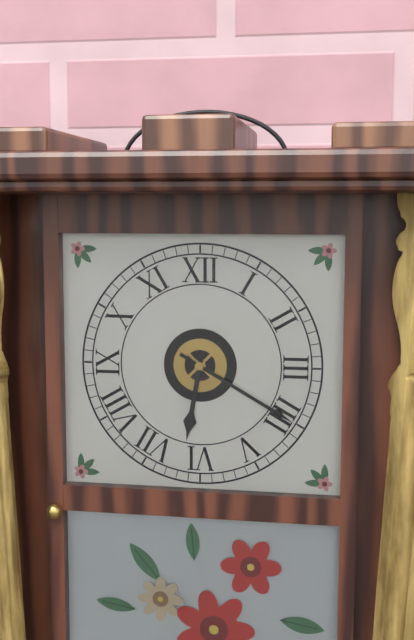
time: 6:20
